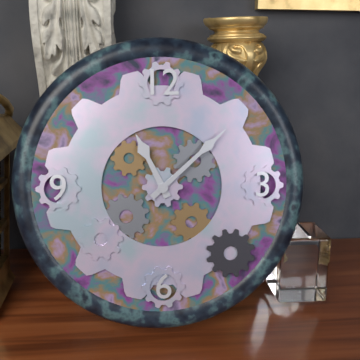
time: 11:08
